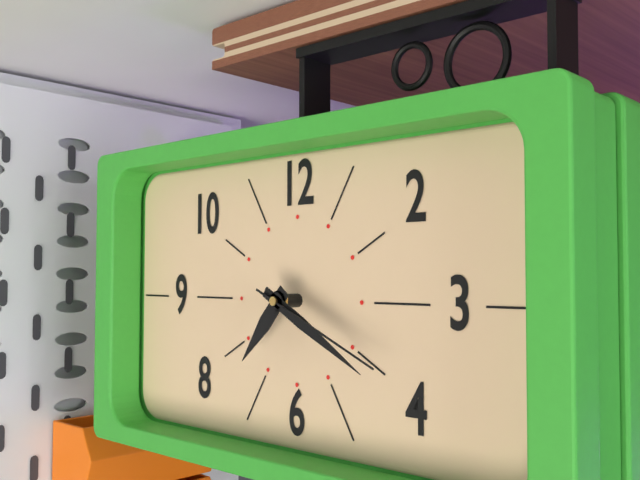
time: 7:20:19
